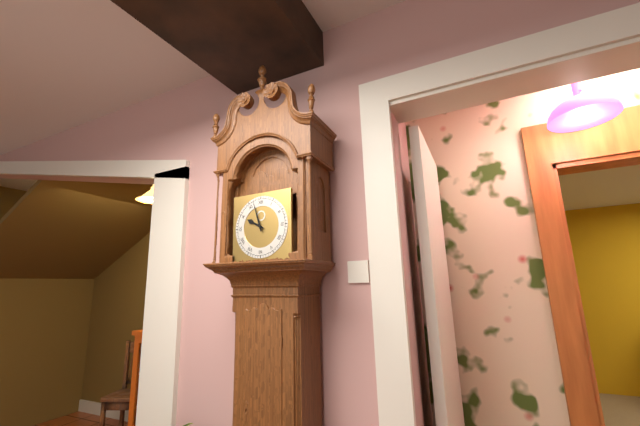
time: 9:57
